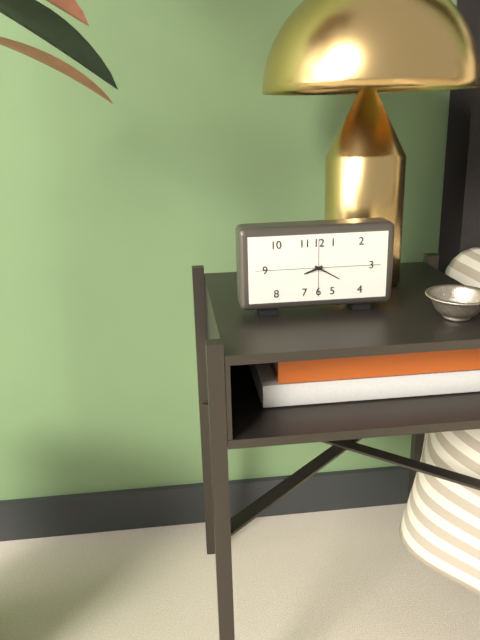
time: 8:20
